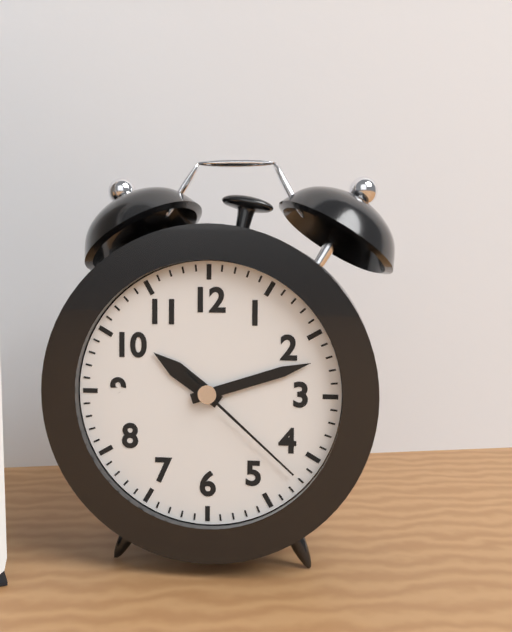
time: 10:12:22
